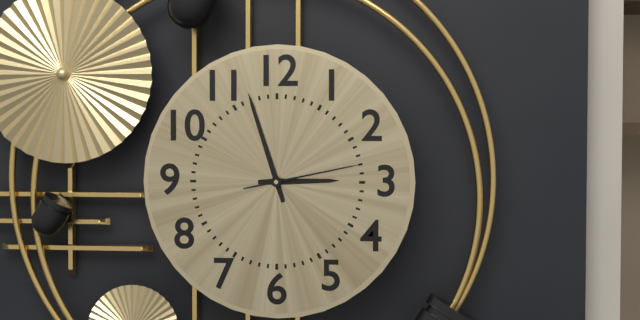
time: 2:57:13
